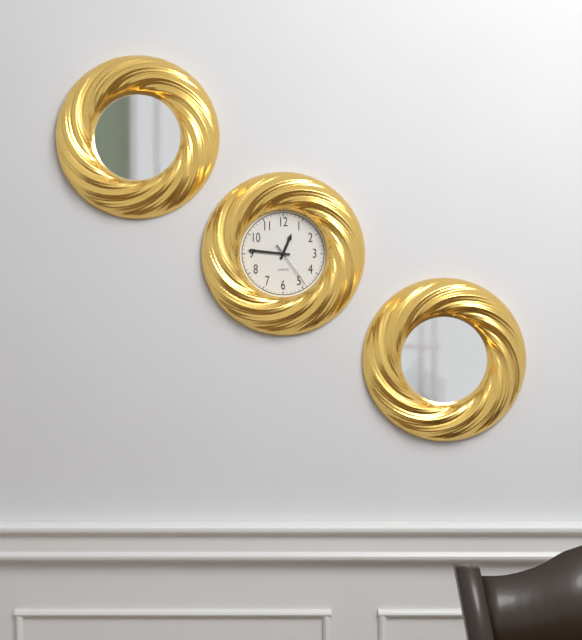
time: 12:46
